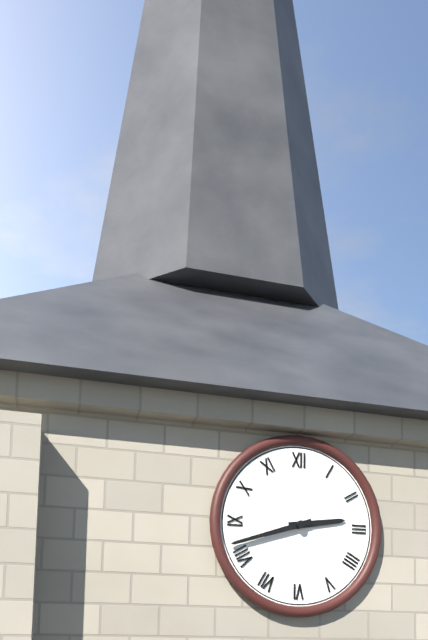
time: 2:42
